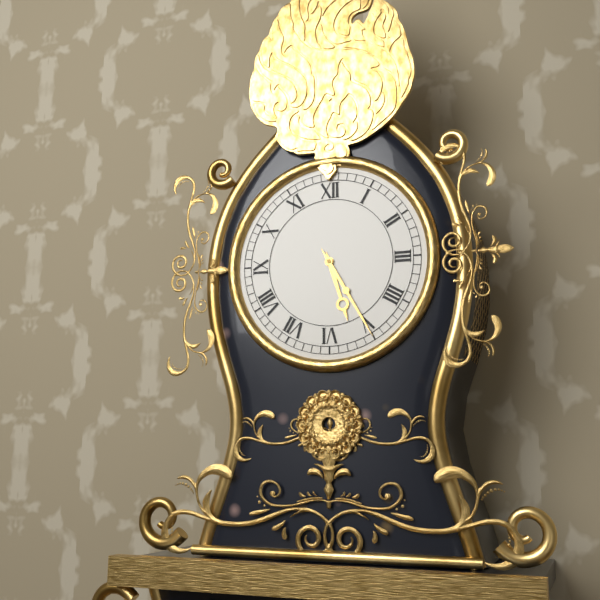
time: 5:25
